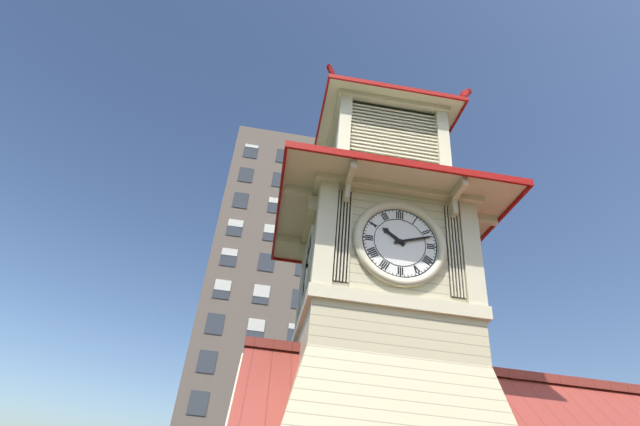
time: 10:12
